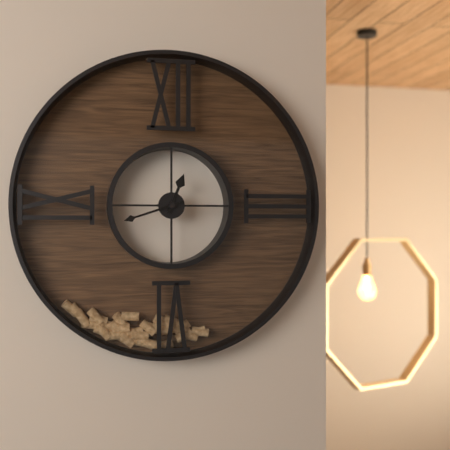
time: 12:42
